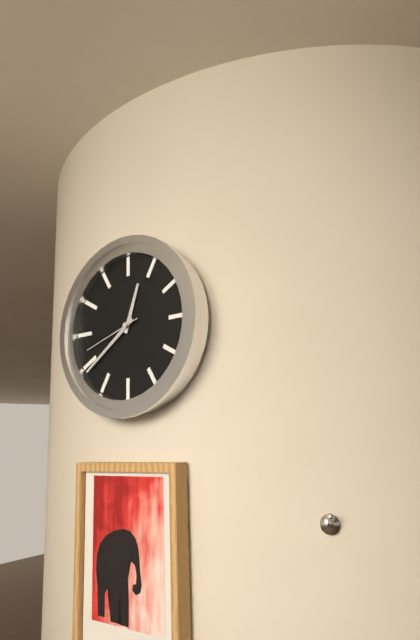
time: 12:39:42
